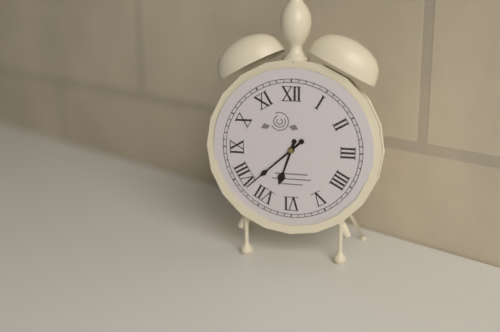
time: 6:38
